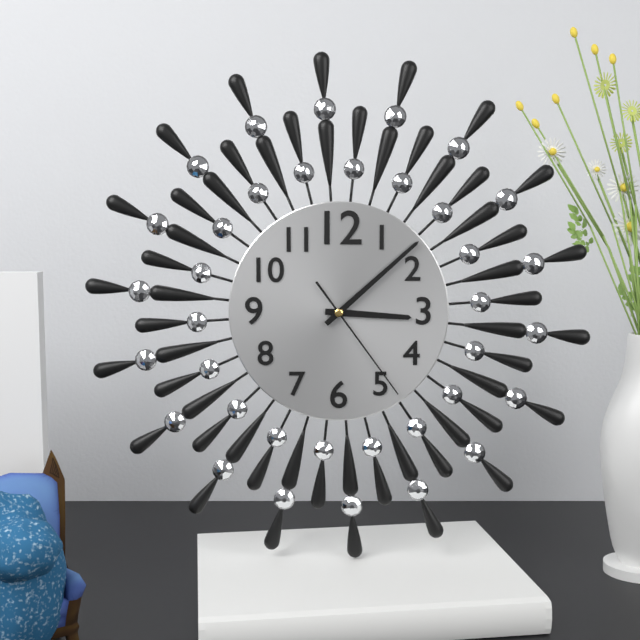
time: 3:08:24
